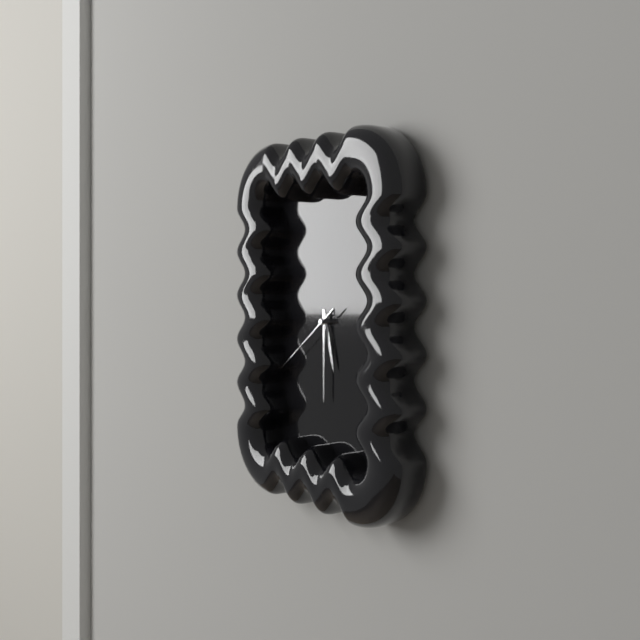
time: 5:30:39
